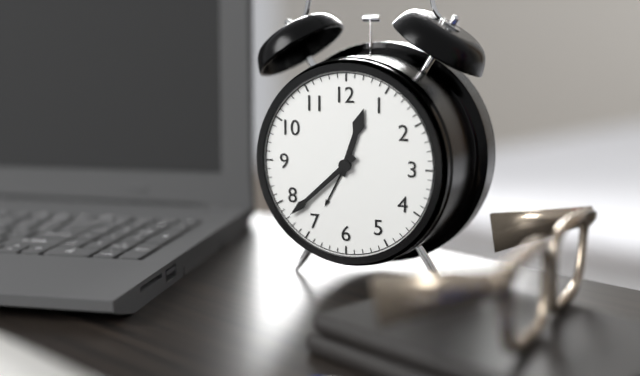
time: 12:38
